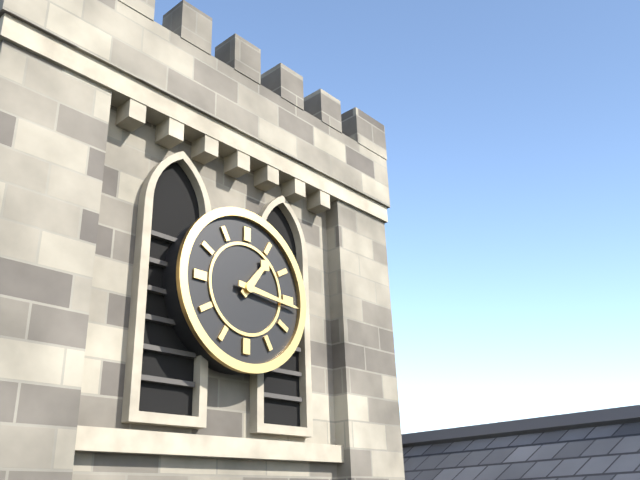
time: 1:16
